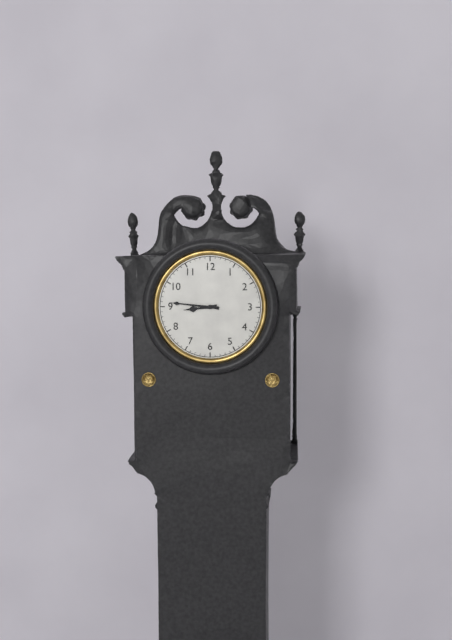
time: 8:46
